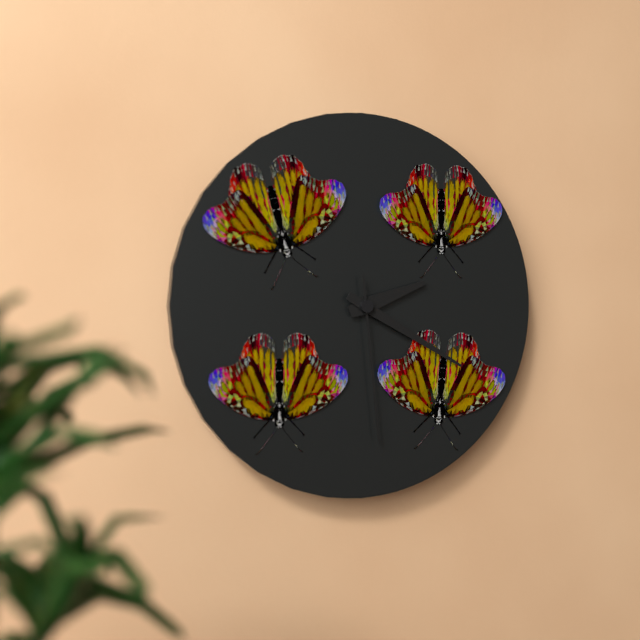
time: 2:20:29
